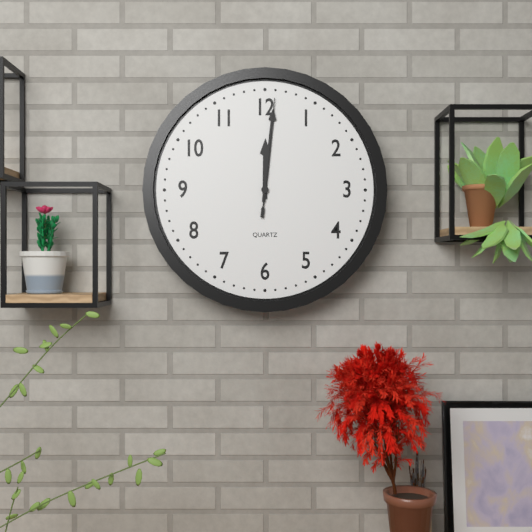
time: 12:01:01
